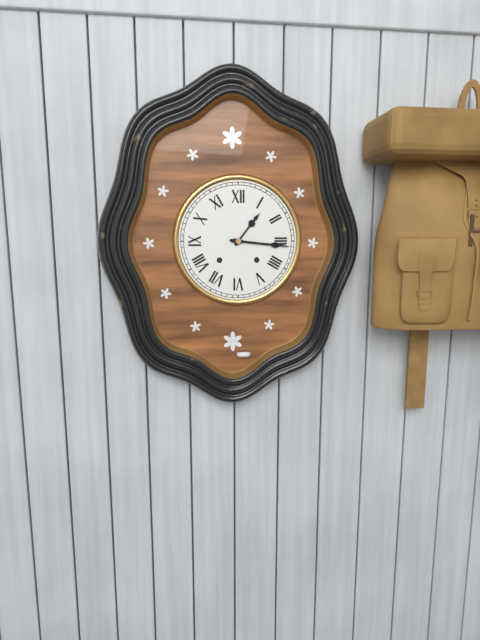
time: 1:16
